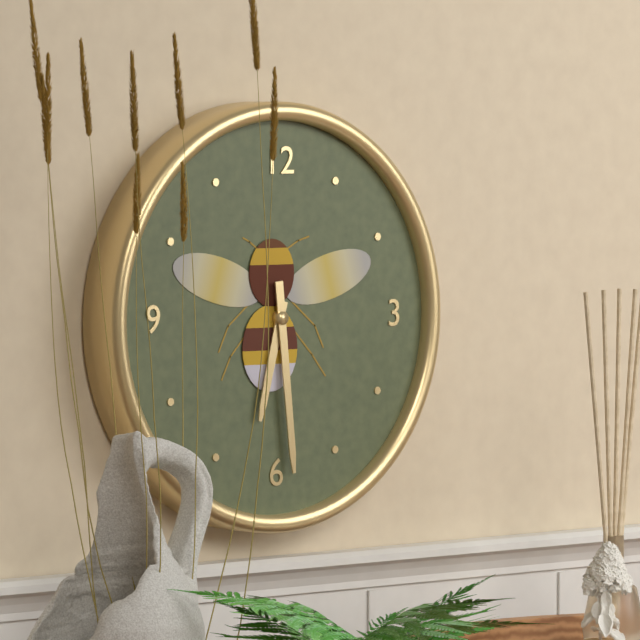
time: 6:29
